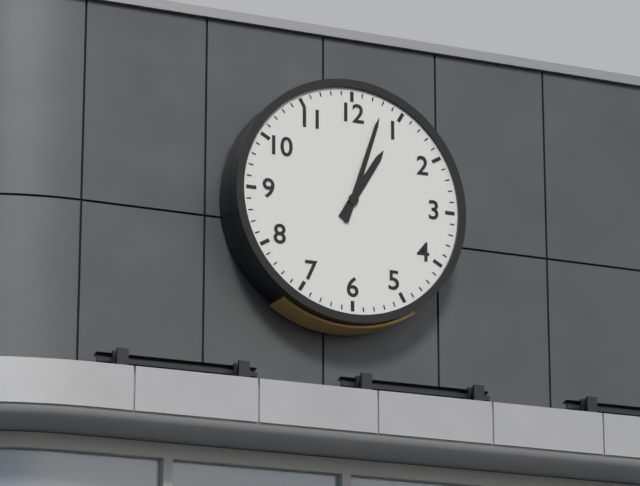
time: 1:03
